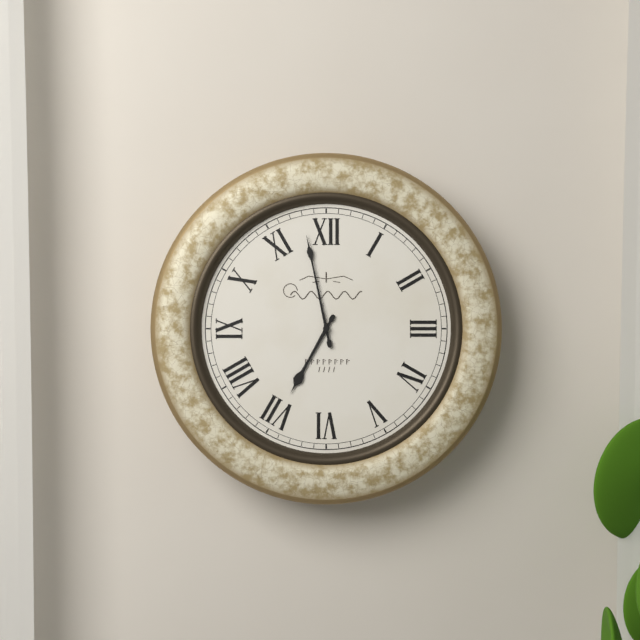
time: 6:58
